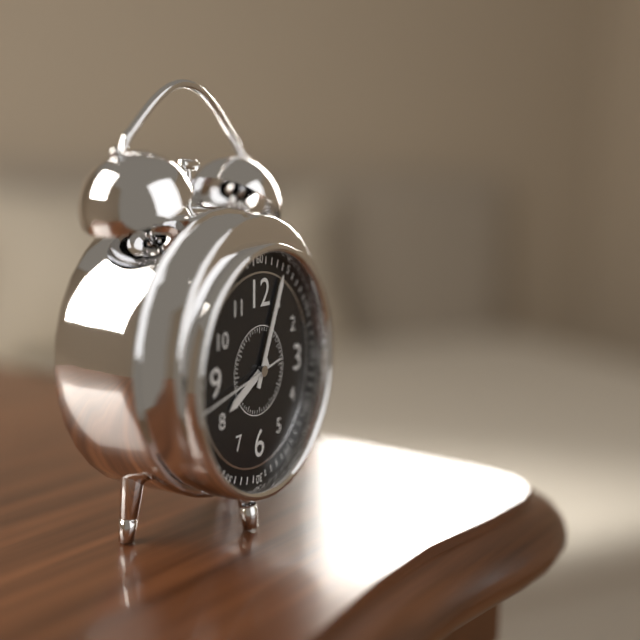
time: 8:04:43
